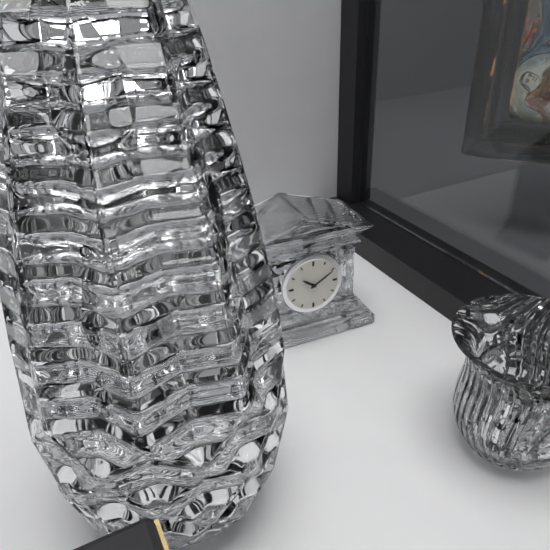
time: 10:10
